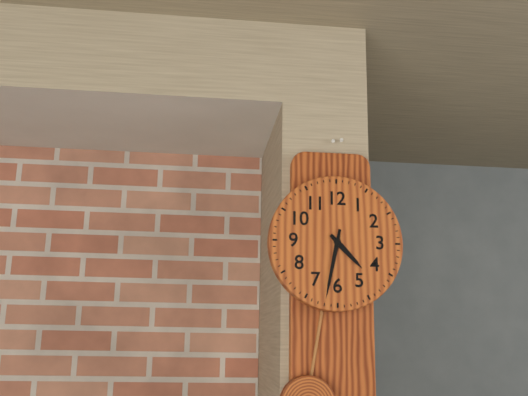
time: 4:32
